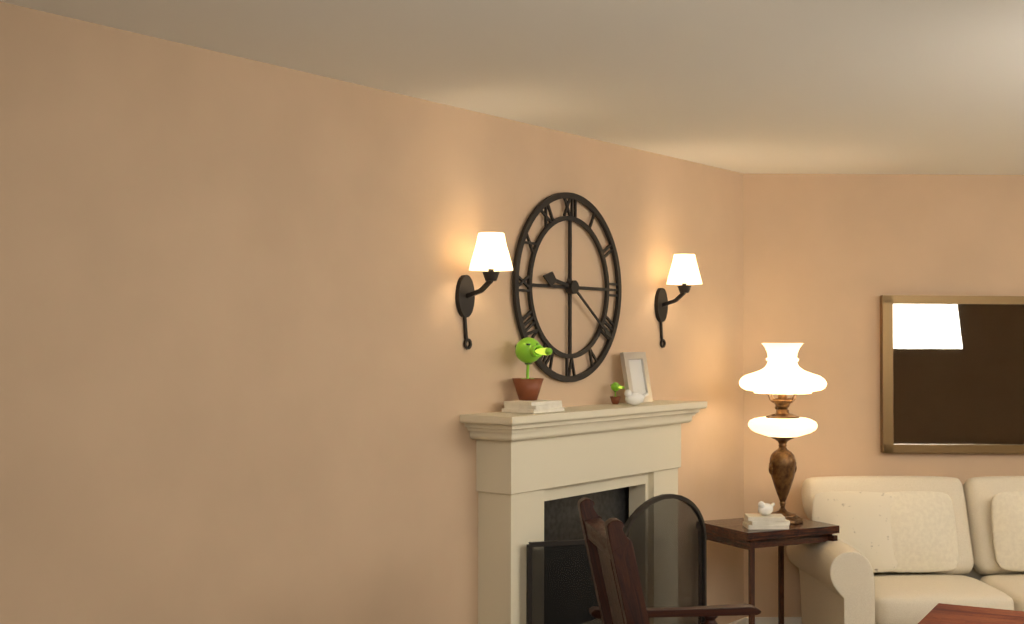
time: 9:21
